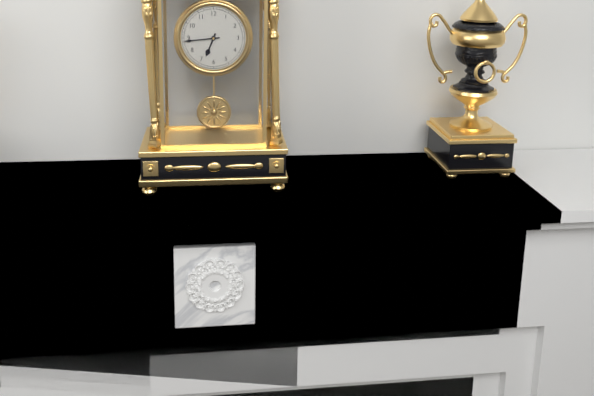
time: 6:44
